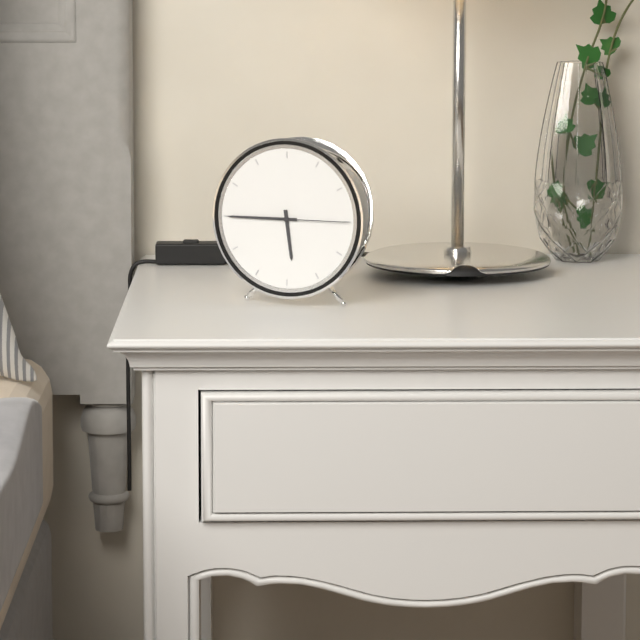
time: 5:45:15
